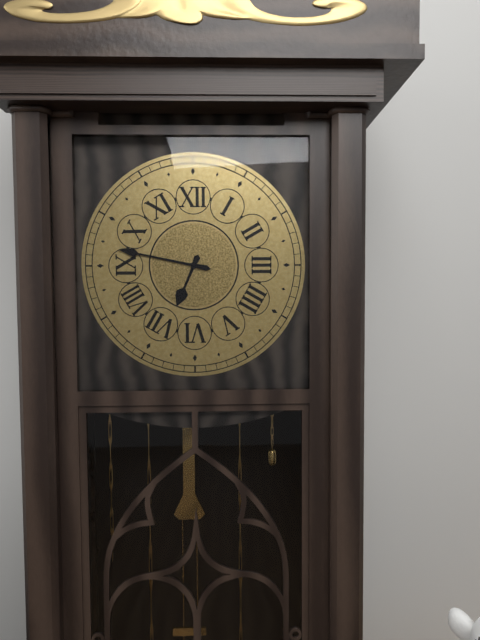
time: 6:47
